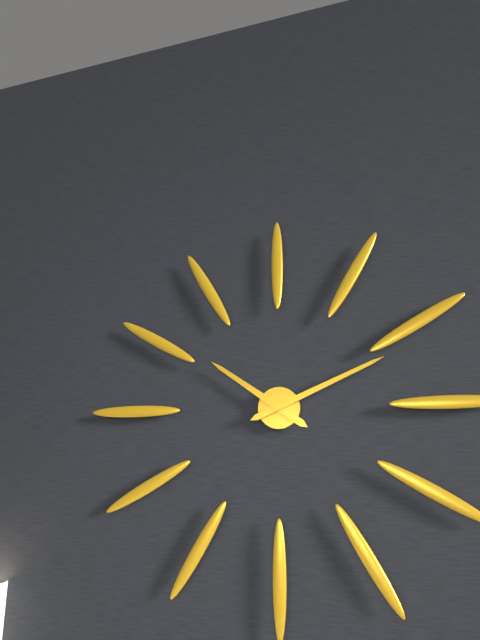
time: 10:11
